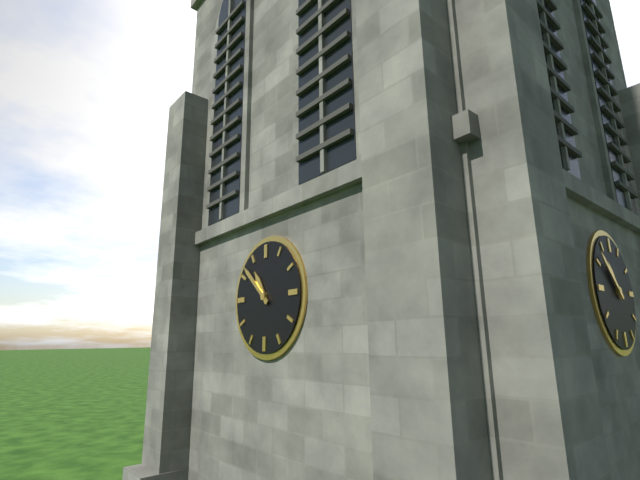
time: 10:52
